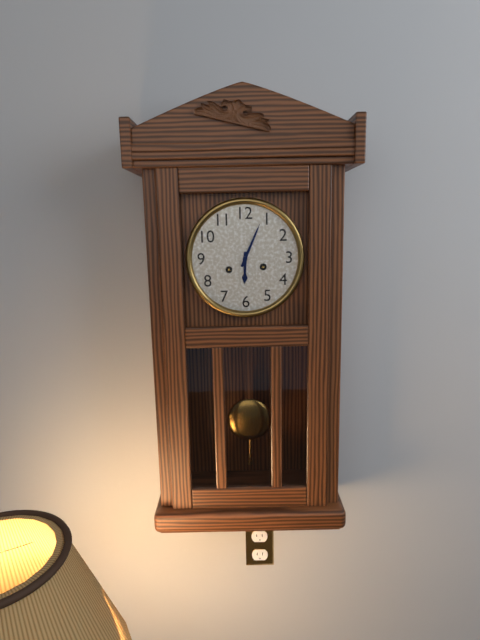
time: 6:04
